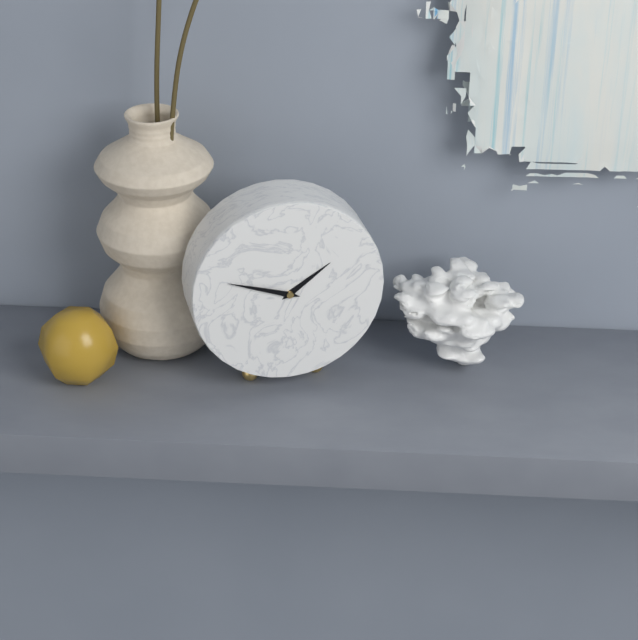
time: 1:48
